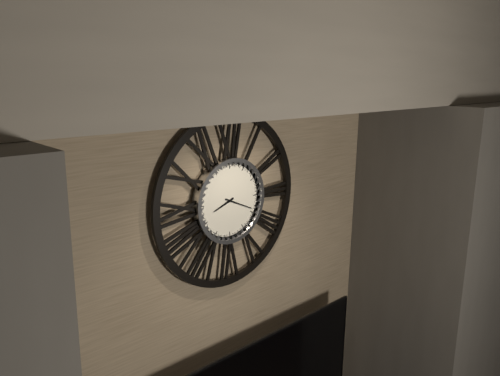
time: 8:19
